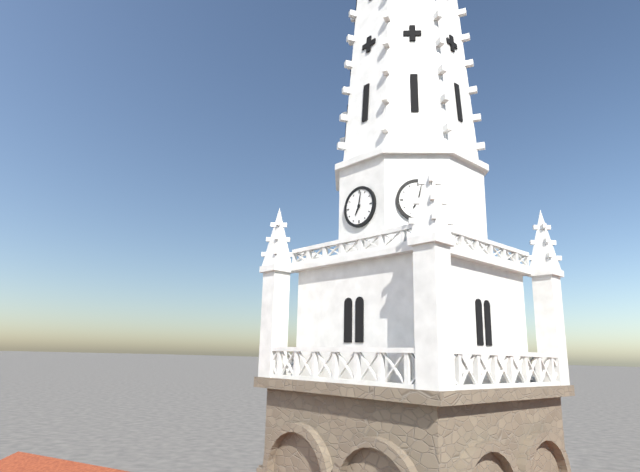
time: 7:02
